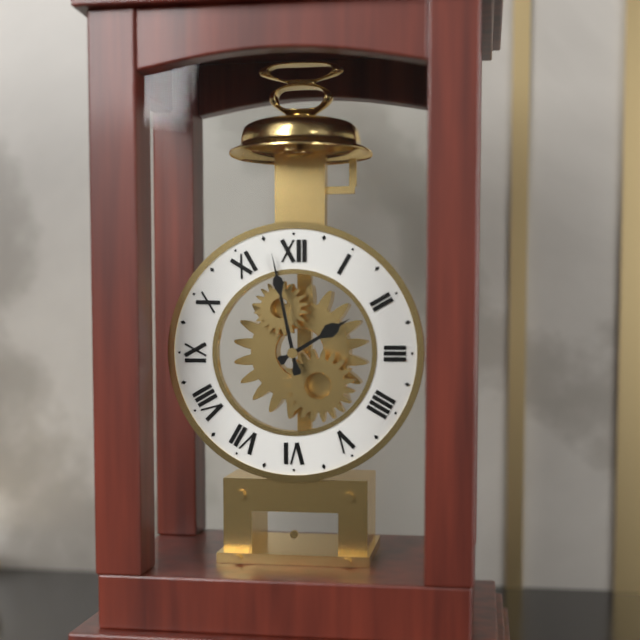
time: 1:58
